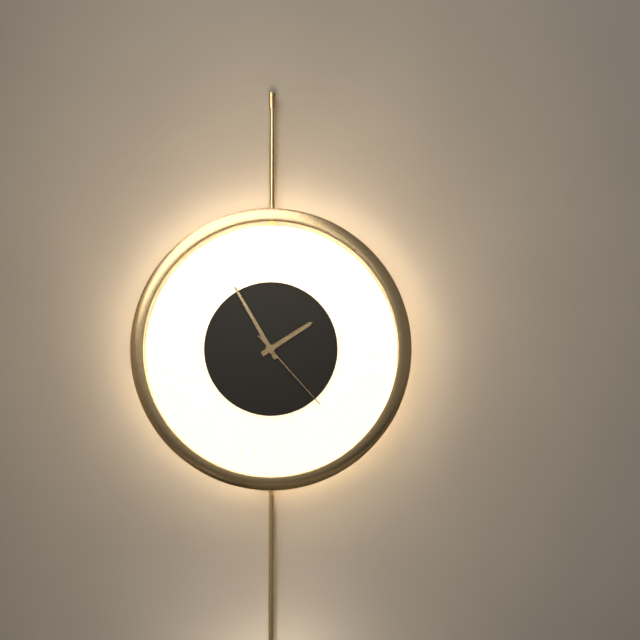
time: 1:55:23
